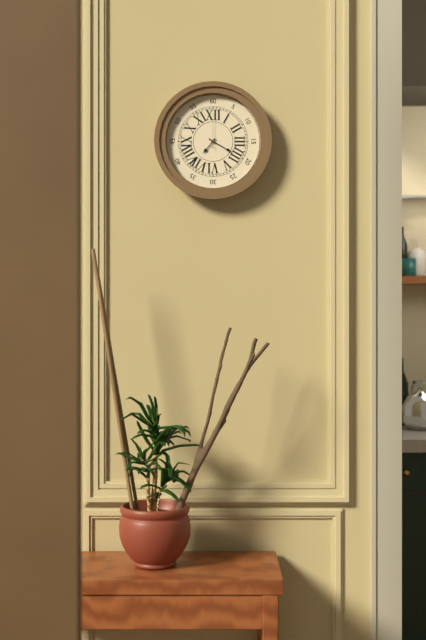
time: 7:20
